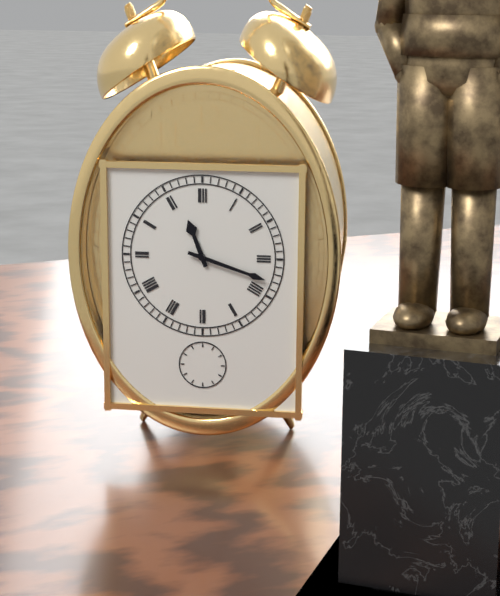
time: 11:18
